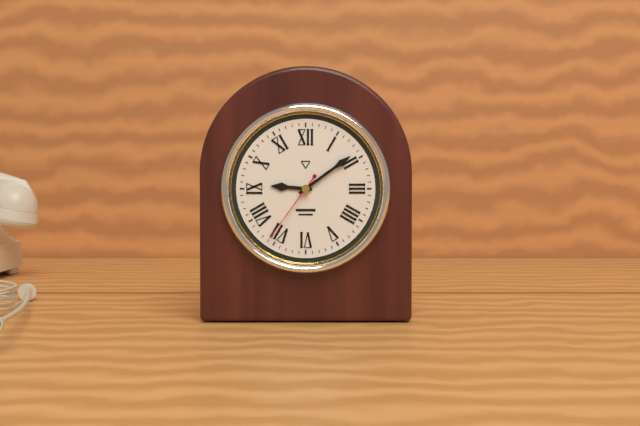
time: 9:09:36
